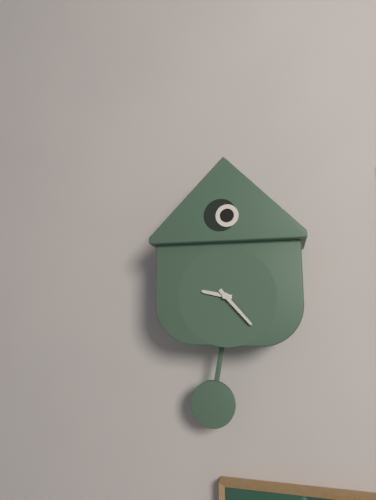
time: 9:23
